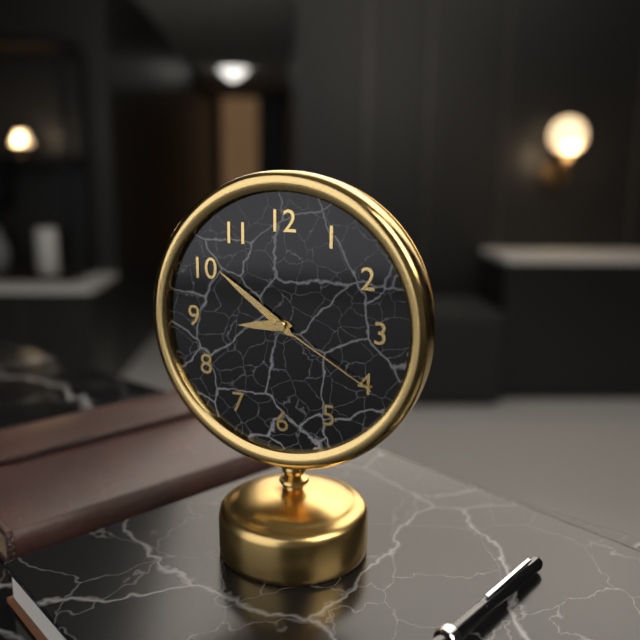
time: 8:51:20
